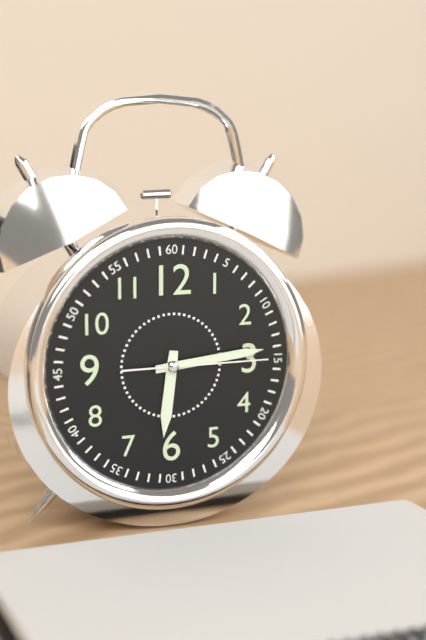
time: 6:14:15
